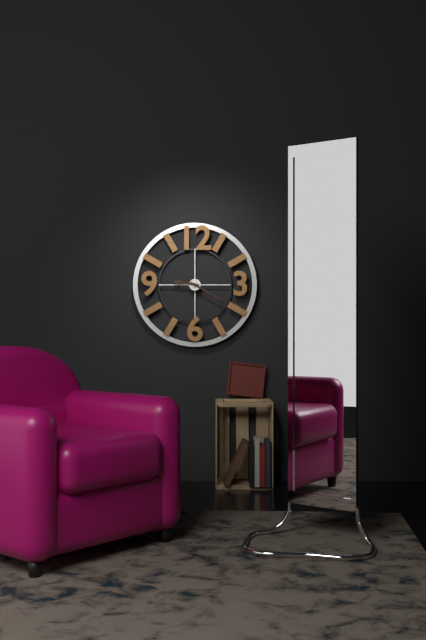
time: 9:20
